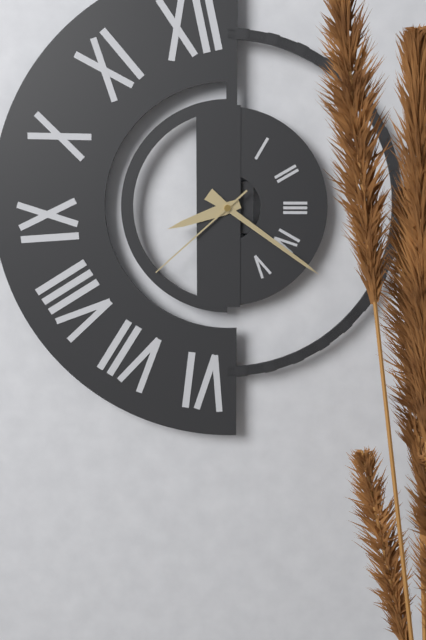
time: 8:21:38
